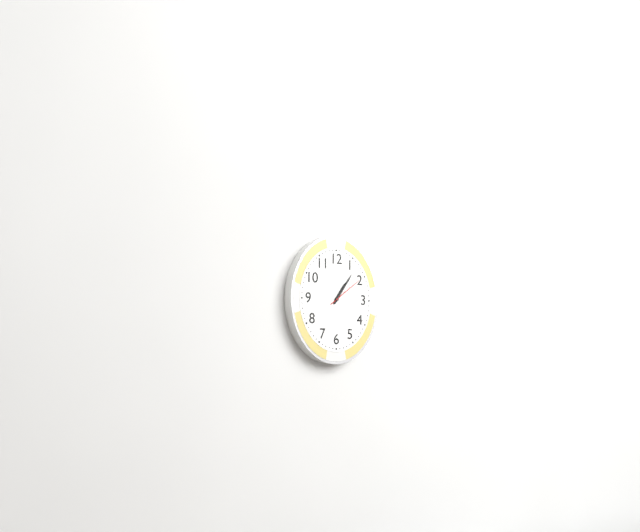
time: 1:06
